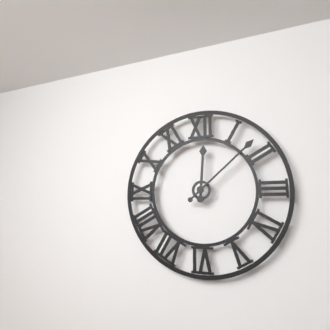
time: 12:08
